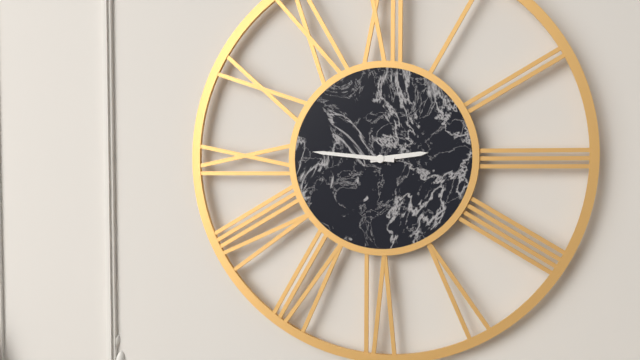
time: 2:46
